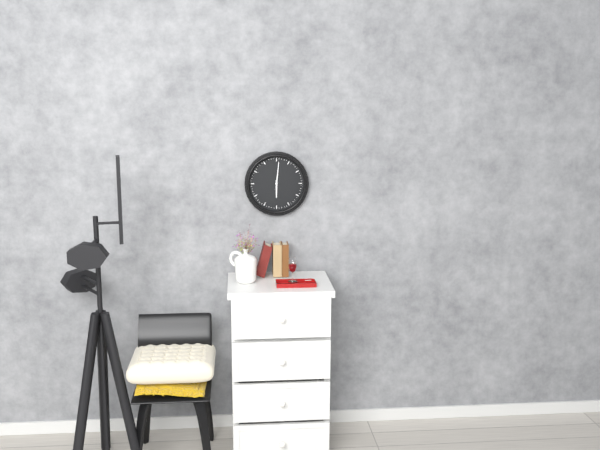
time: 6:01
